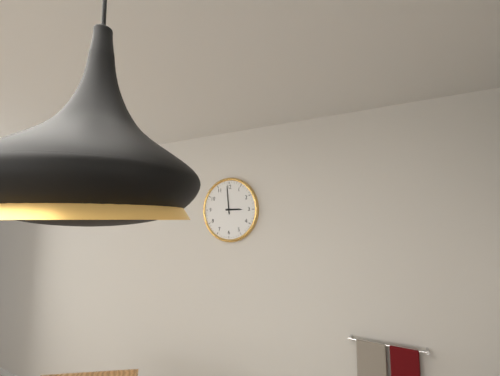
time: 2:59
